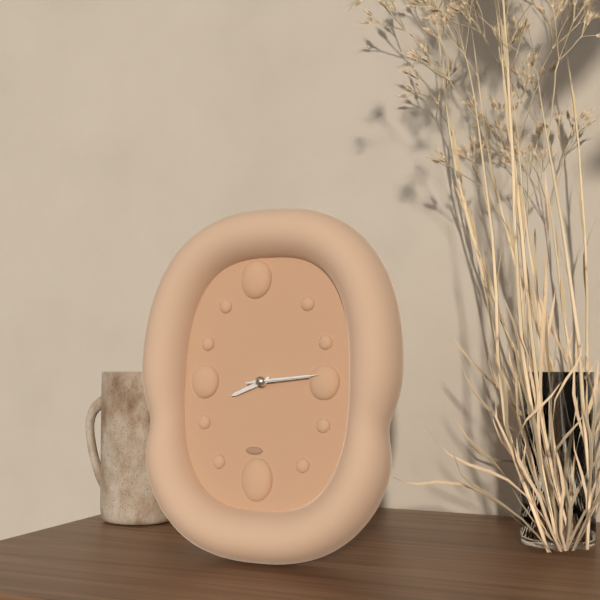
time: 8:14:14
